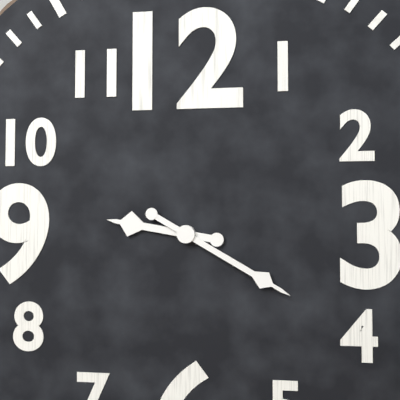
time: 9:20
